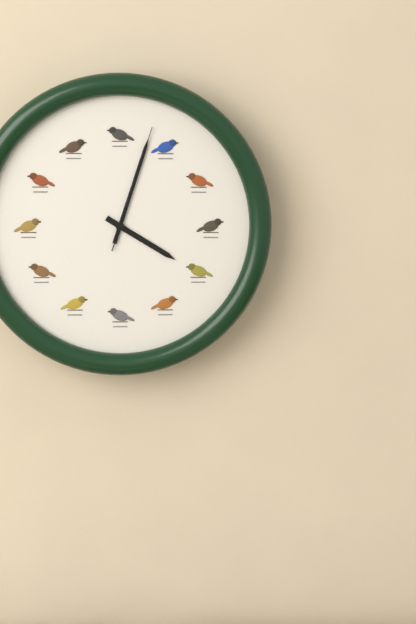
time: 4:03:03
